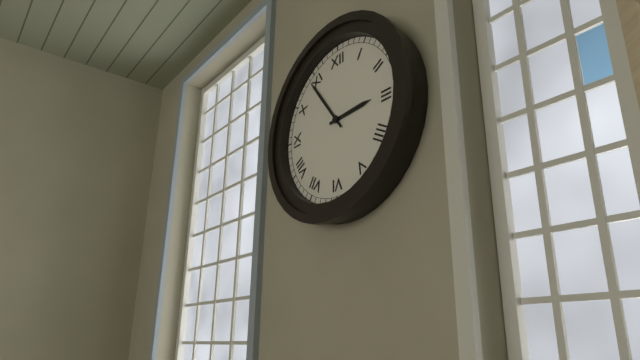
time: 2:54
